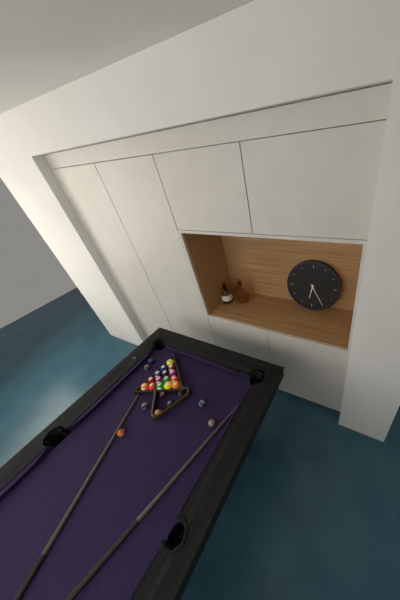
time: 6:25
